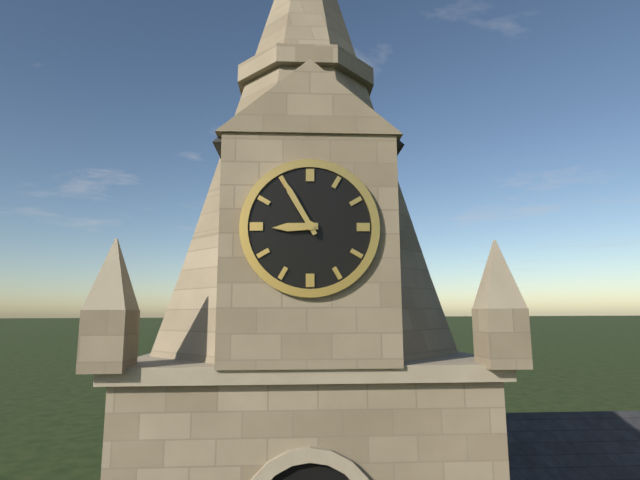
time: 8:55
